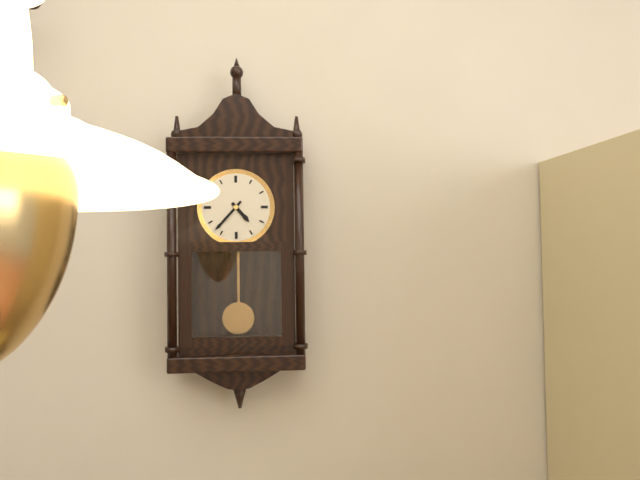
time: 4:37
